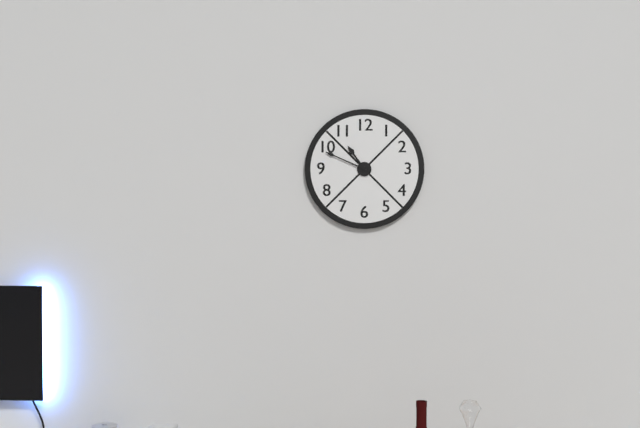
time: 10:49
